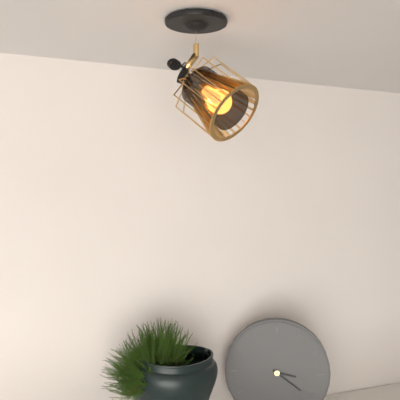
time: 3:21
